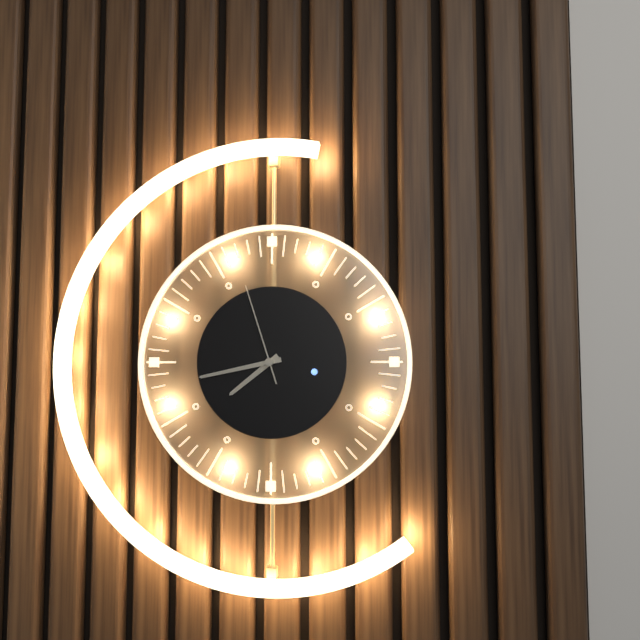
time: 7:43:57
